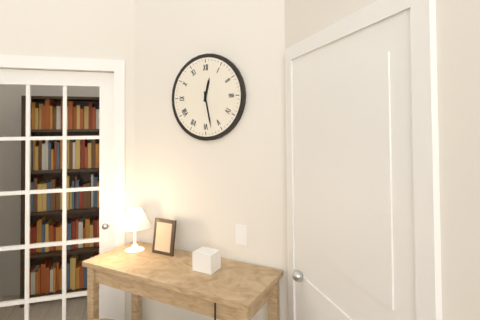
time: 12:28
